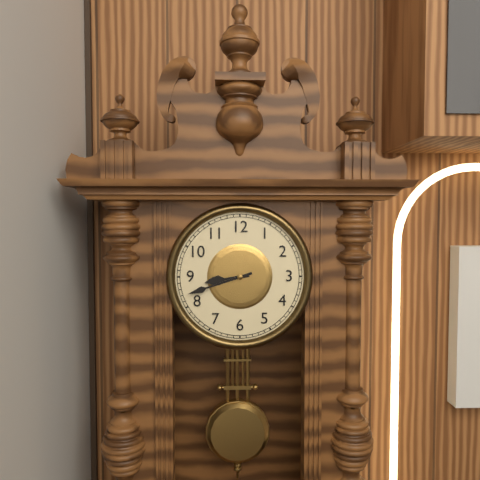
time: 8:42
